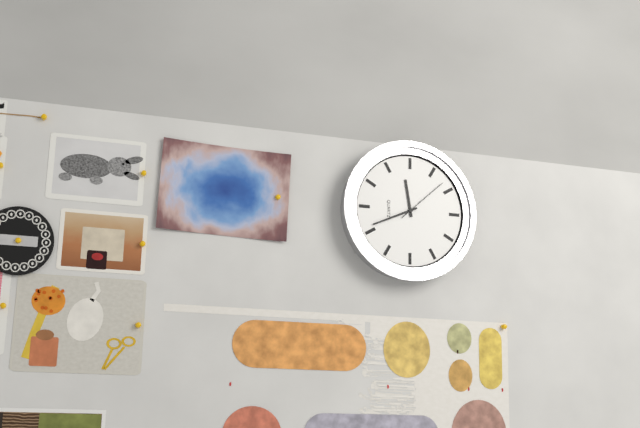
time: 11:41:08
